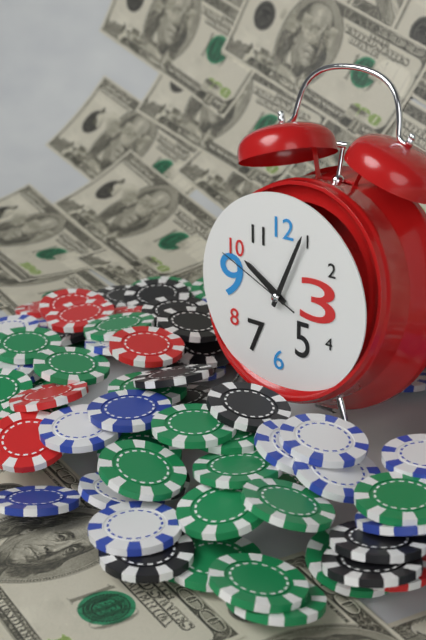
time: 10:04:49
